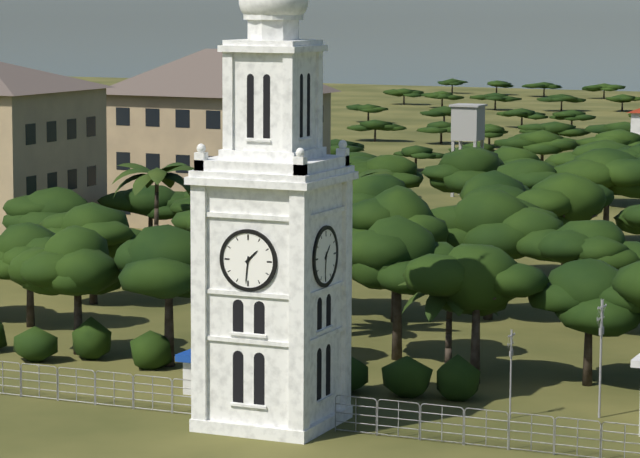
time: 1:31
